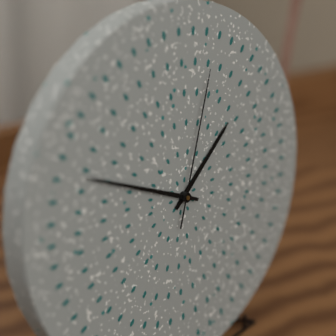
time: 1:50:04
